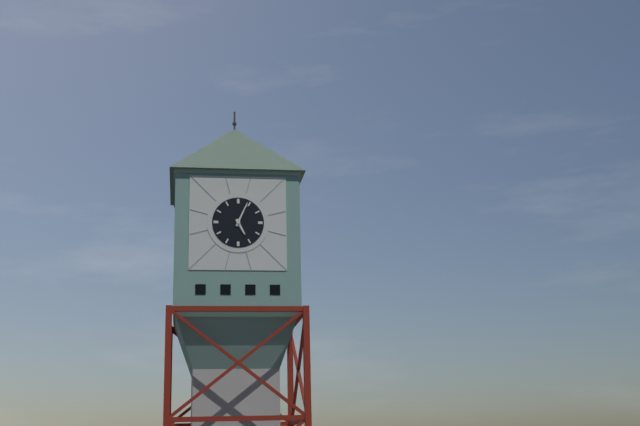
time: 5:04
